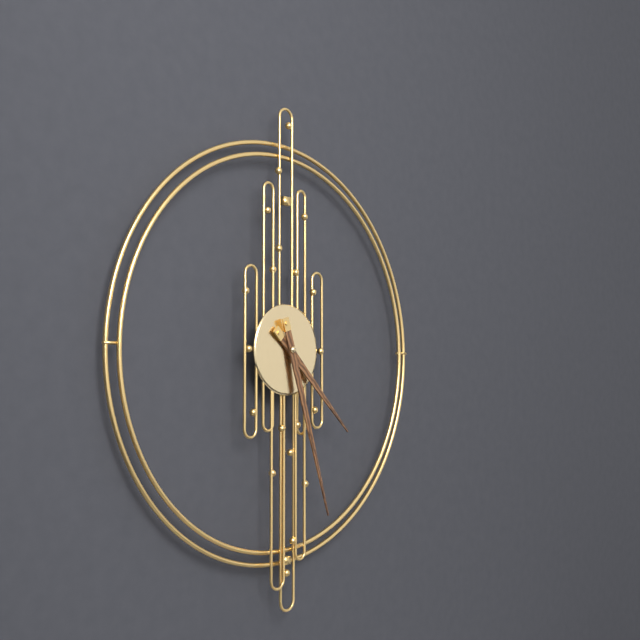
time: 4:27
